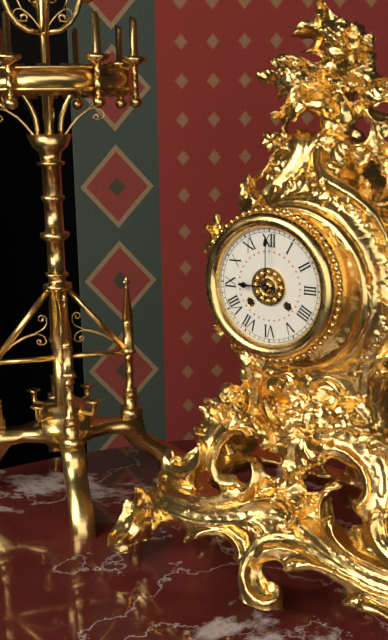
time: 9:00
